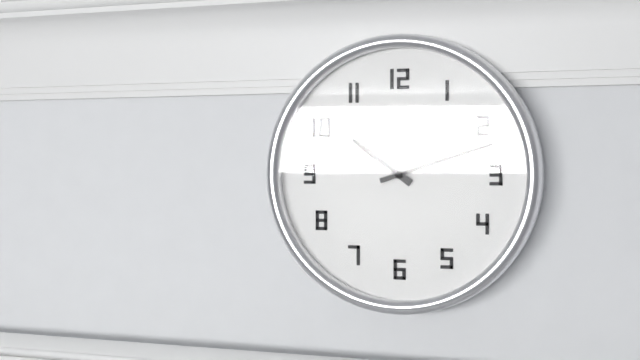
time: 10:12
